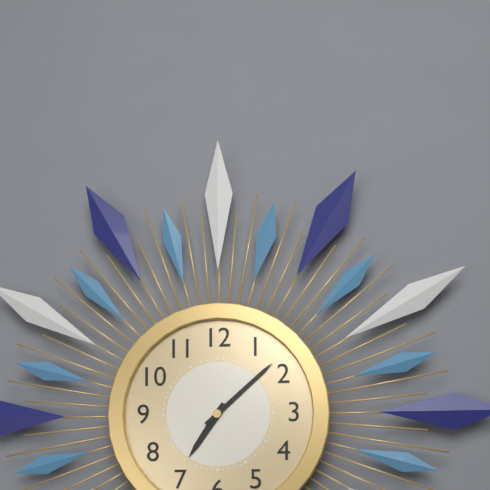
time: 7:08
